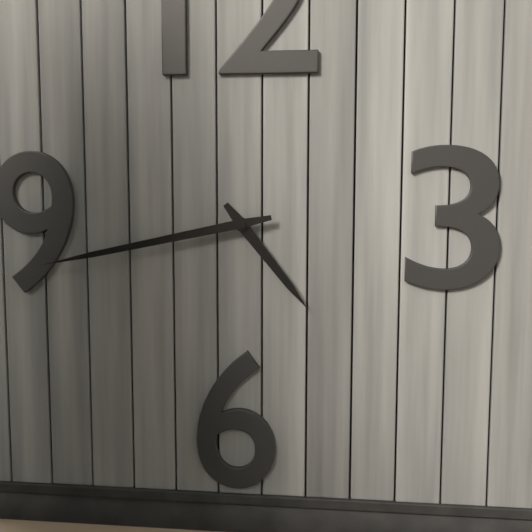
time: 4:43
